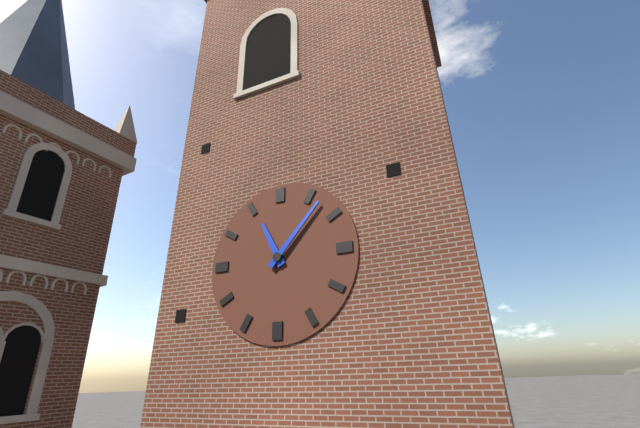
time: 11:07
